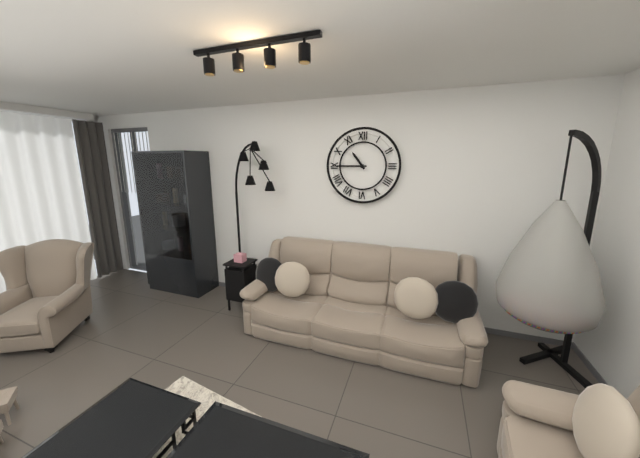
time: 10:45
